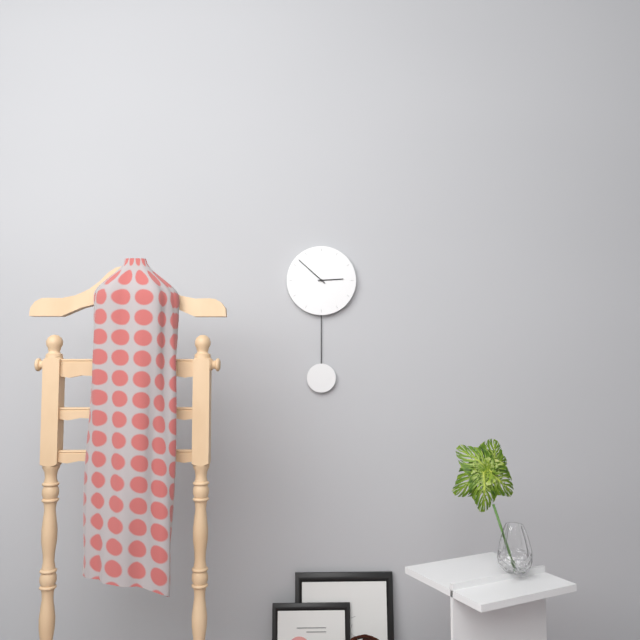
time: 2:52
